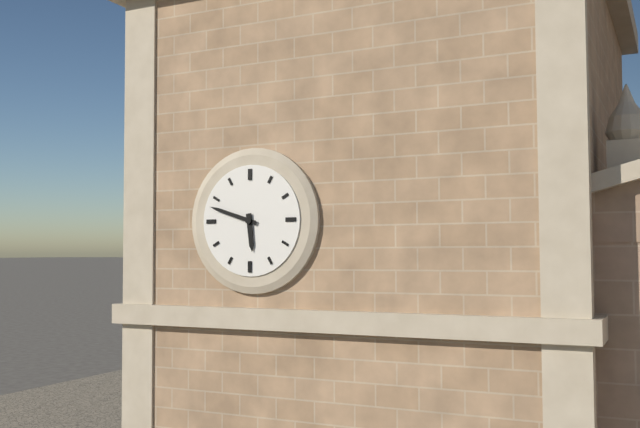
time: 5:48
